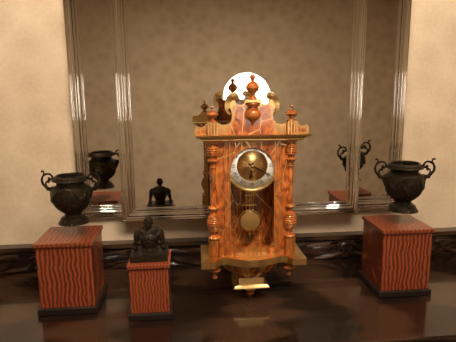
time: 6:20
